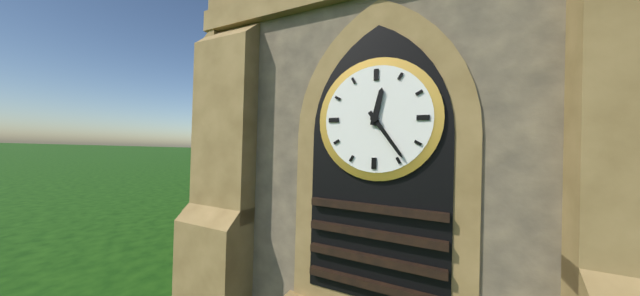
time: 12:24
